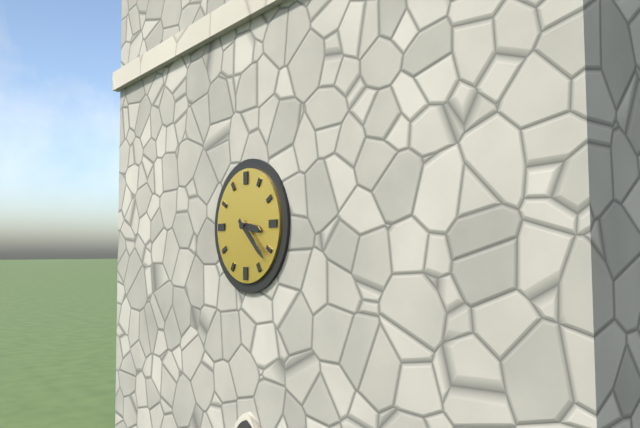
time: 3:22
